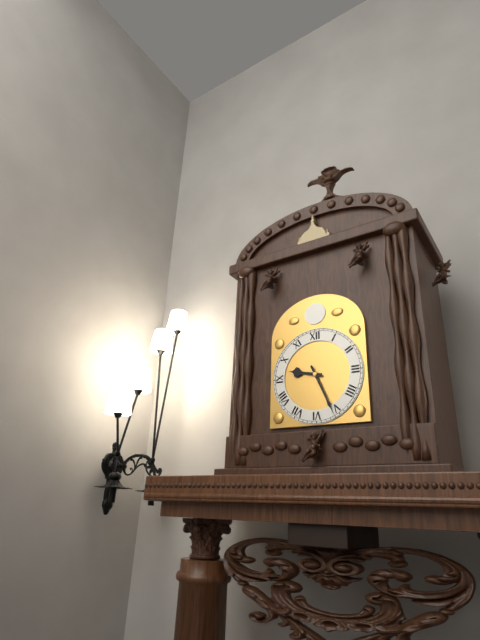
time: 9:26
